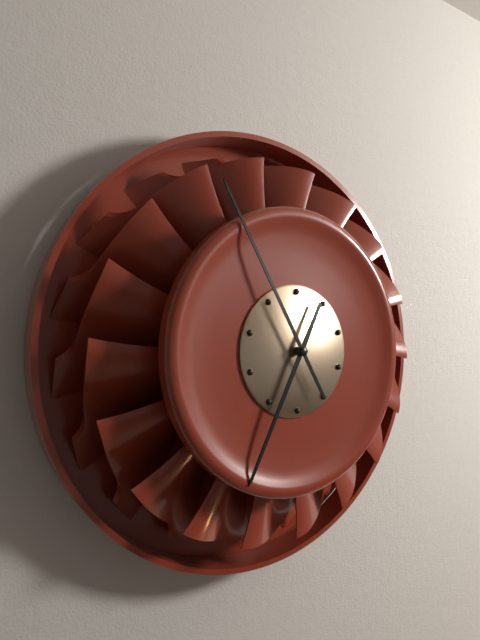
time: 6:55
